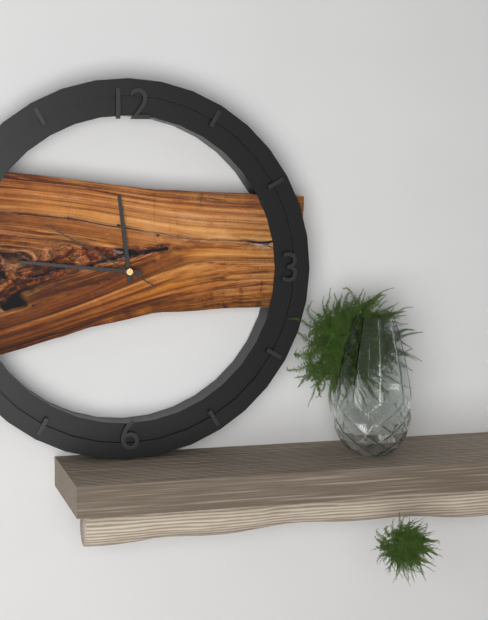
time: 11:46:50
